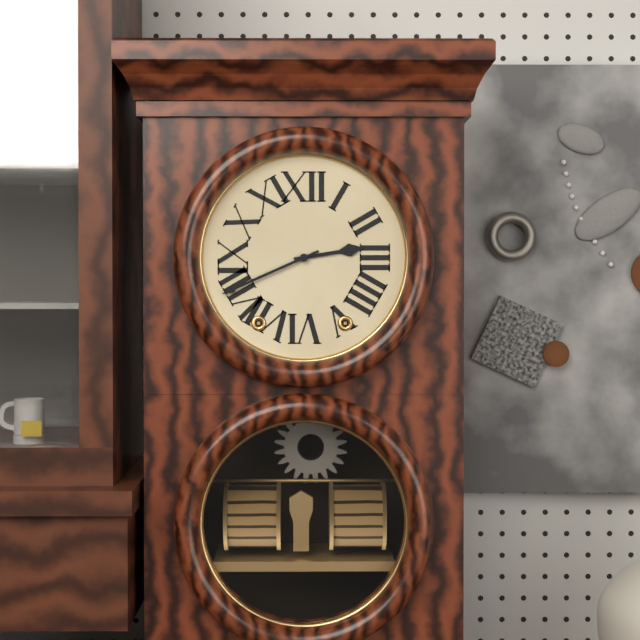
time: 2:41
